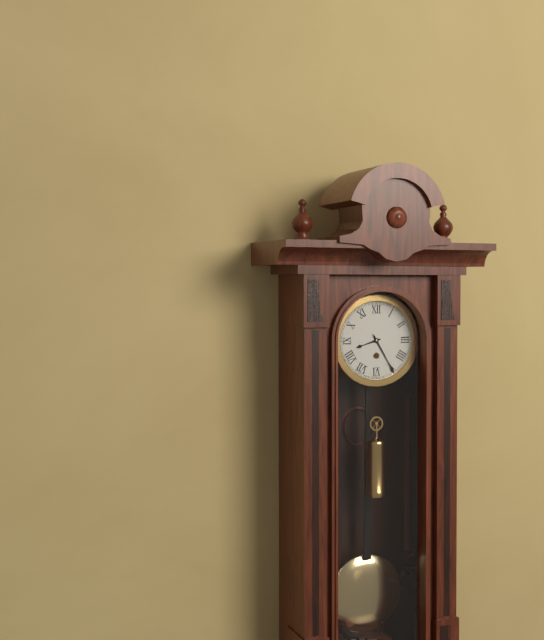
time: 8:25
